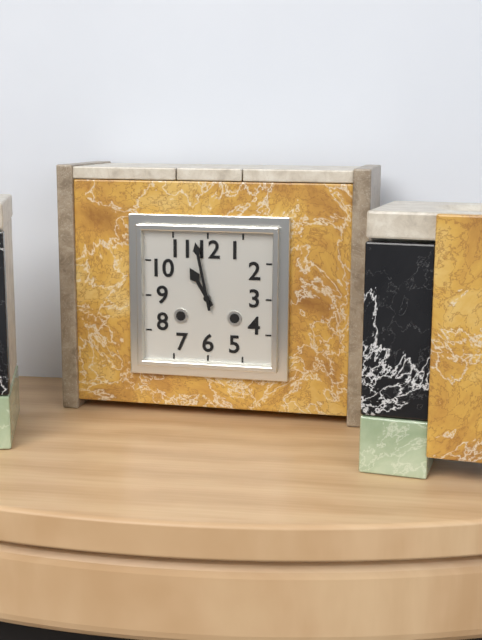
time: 10:58
